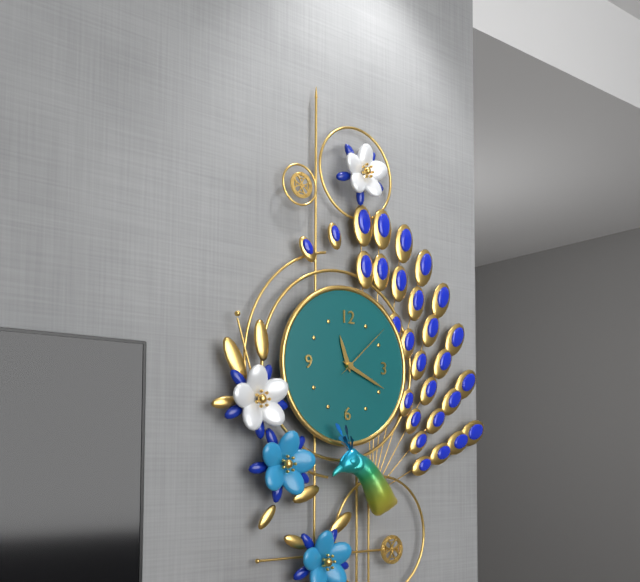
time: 11:19:08
